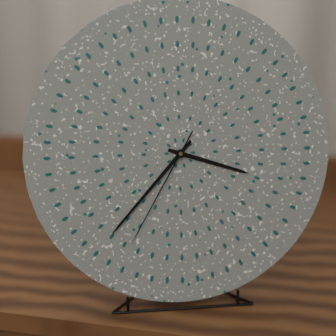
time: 3:37:35
